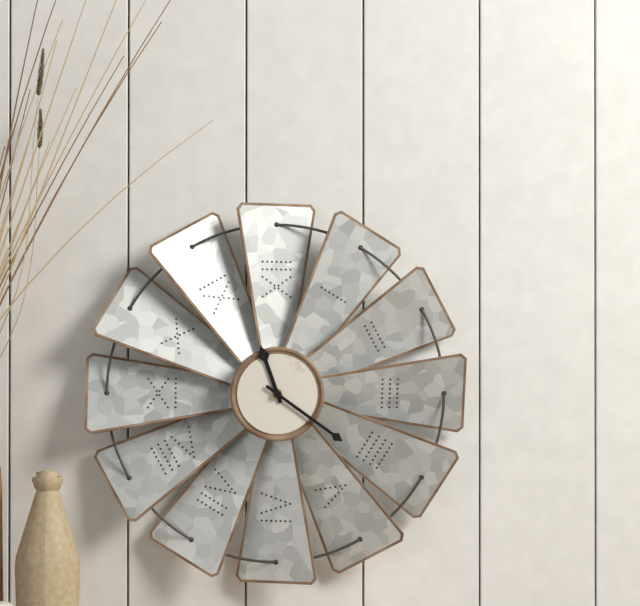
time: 11:21
